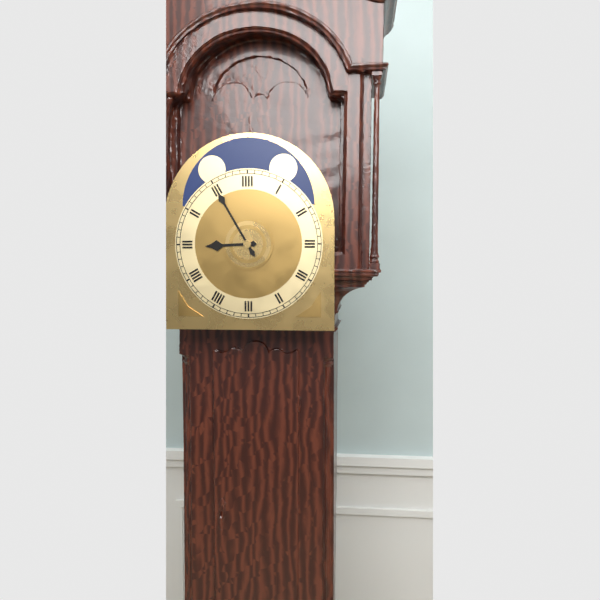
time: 8:55
